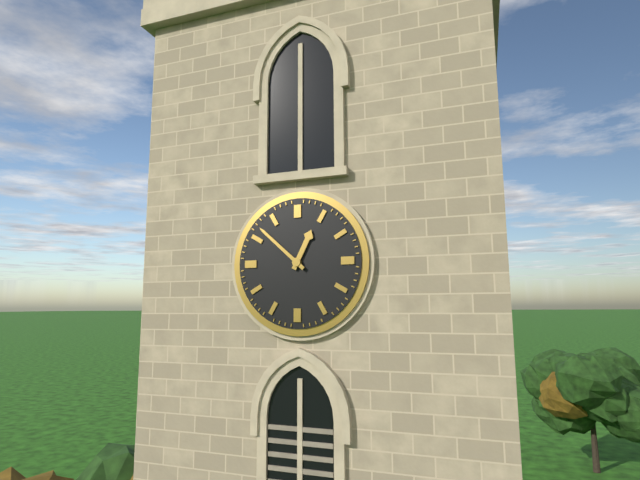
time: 12:52
